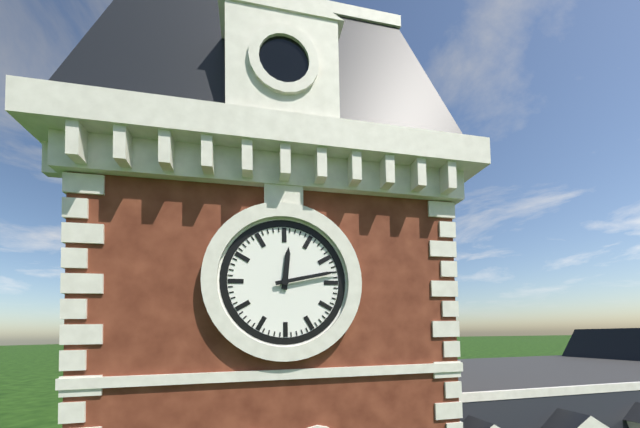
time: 12:13
